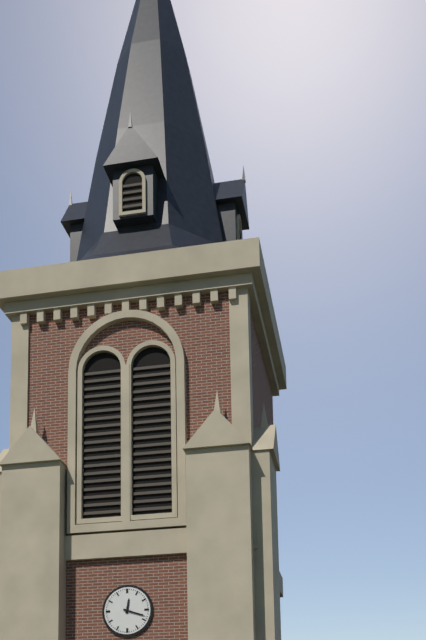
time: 12:18
